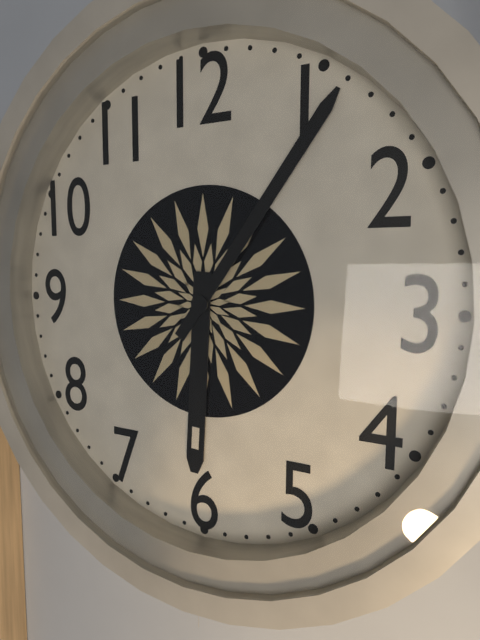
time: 6:06
